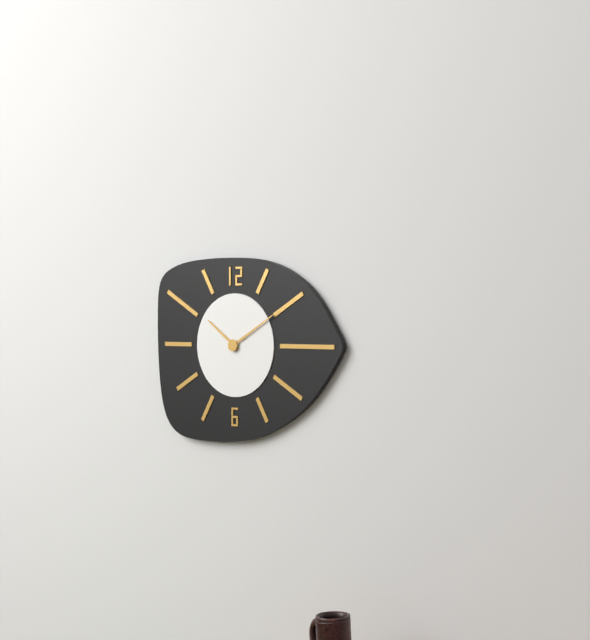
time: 10:10
